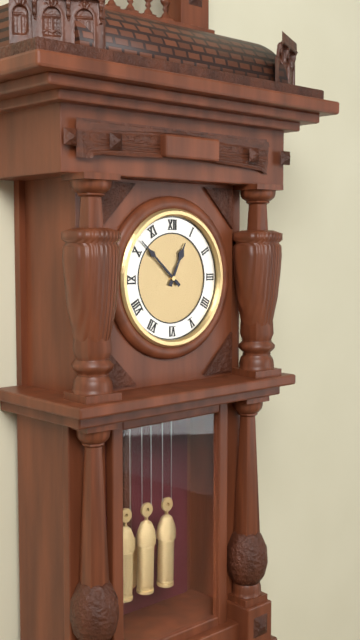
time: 12:52
